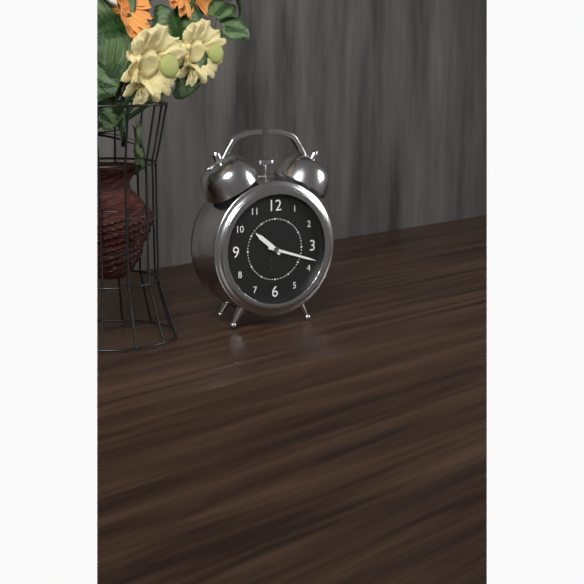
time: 10:18
